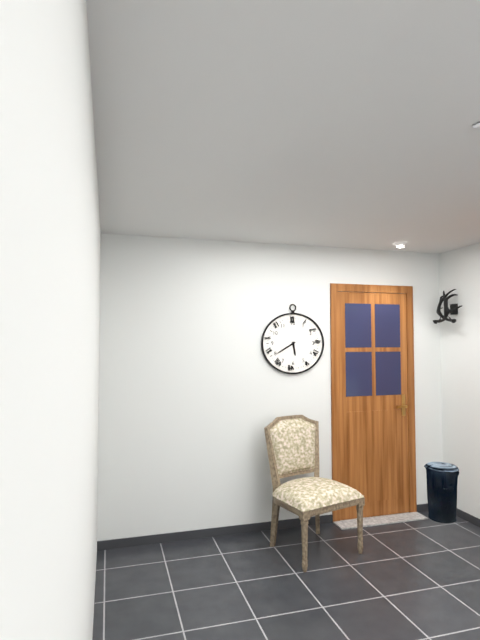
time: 5:40
